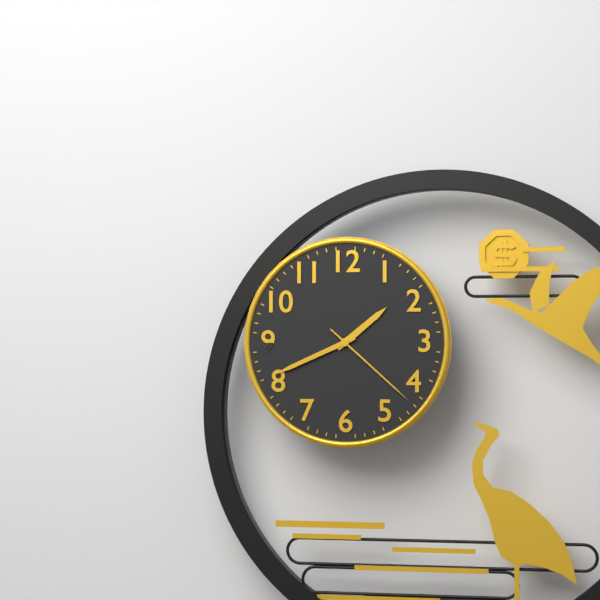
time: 1:41:22
